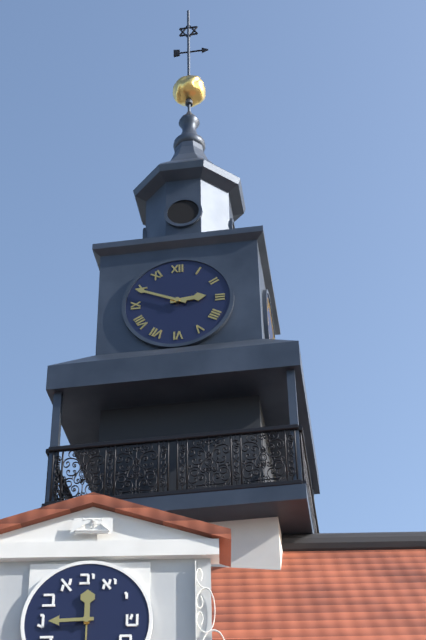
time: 2:49
